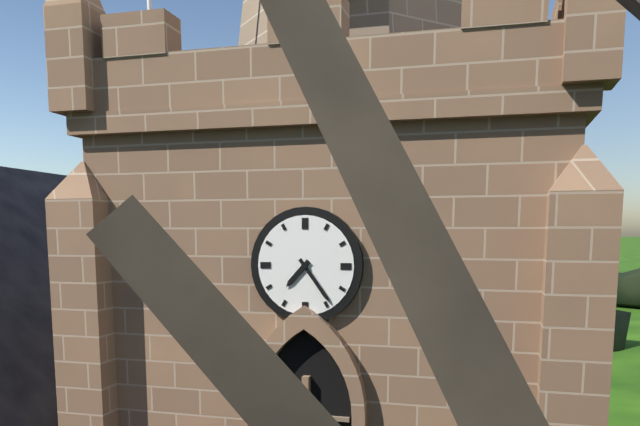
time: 7:24
